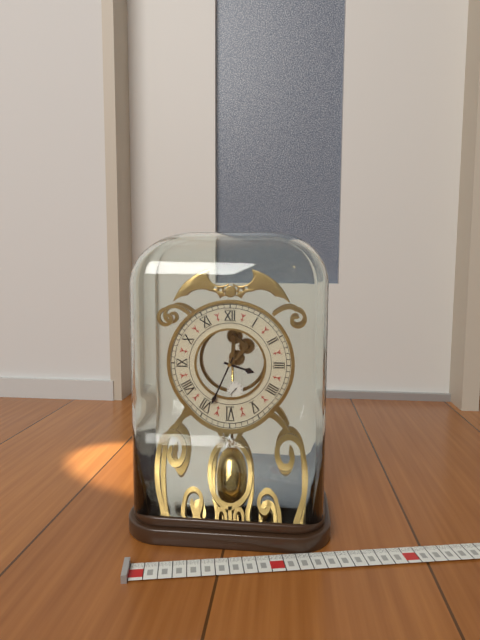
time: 3:34
